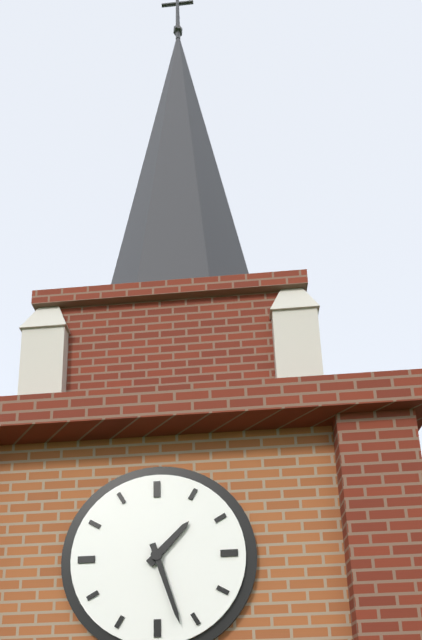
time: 1:27
